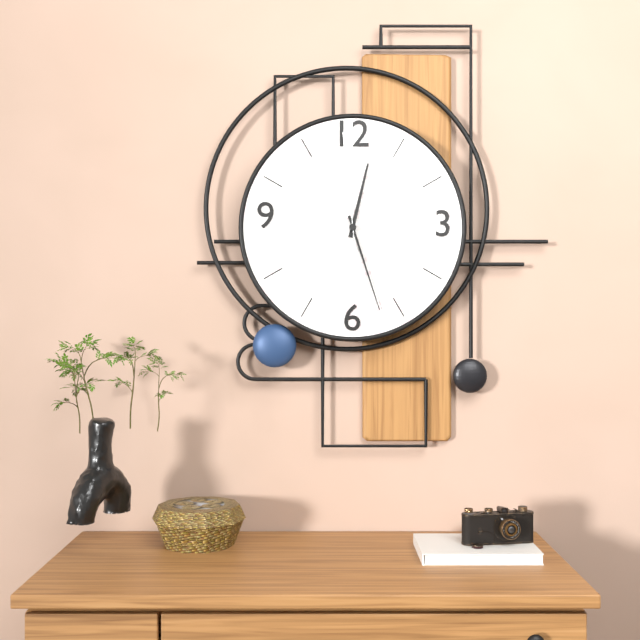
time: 12:27:59
